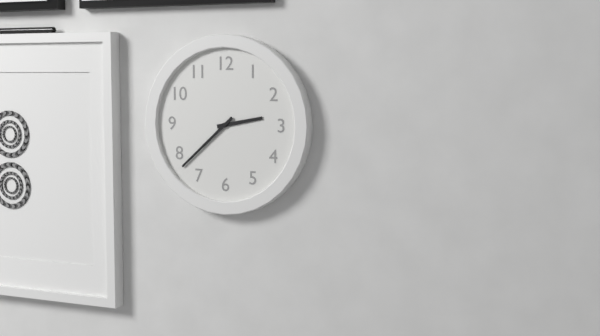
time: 2:38
